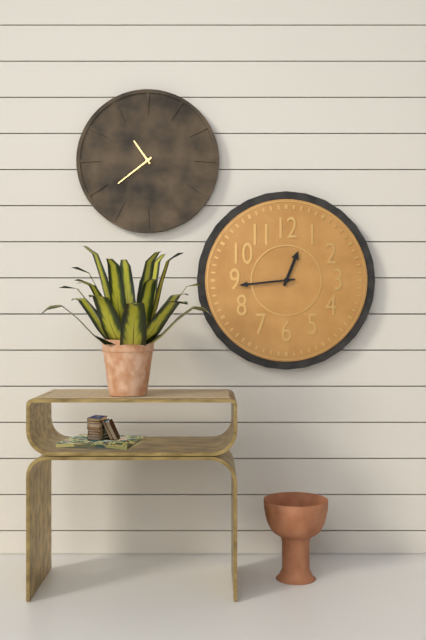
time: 12:44
